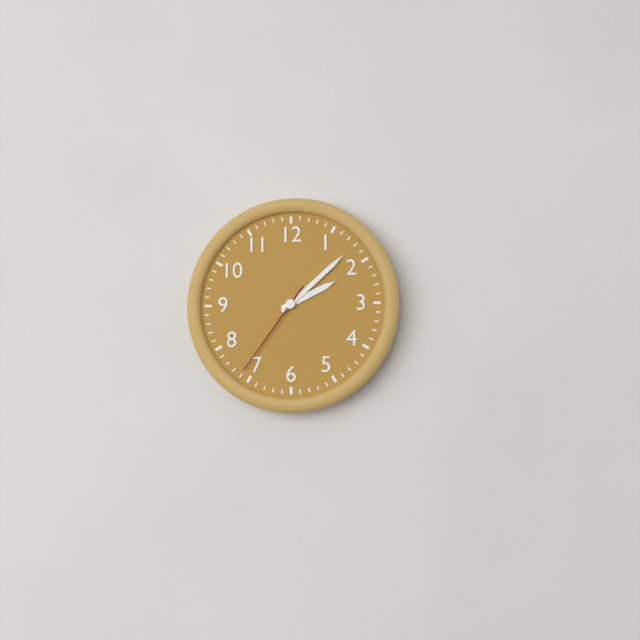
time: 2:08:36
